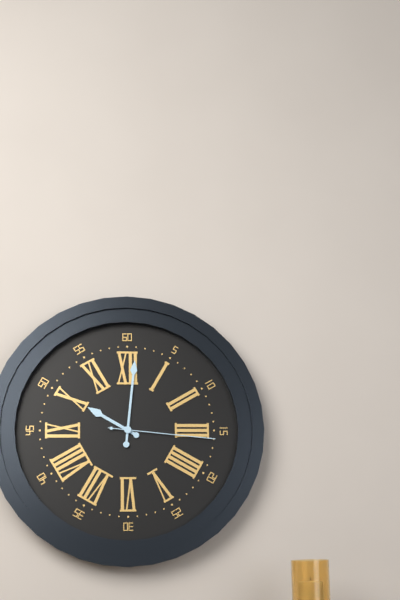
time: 10:01:16
